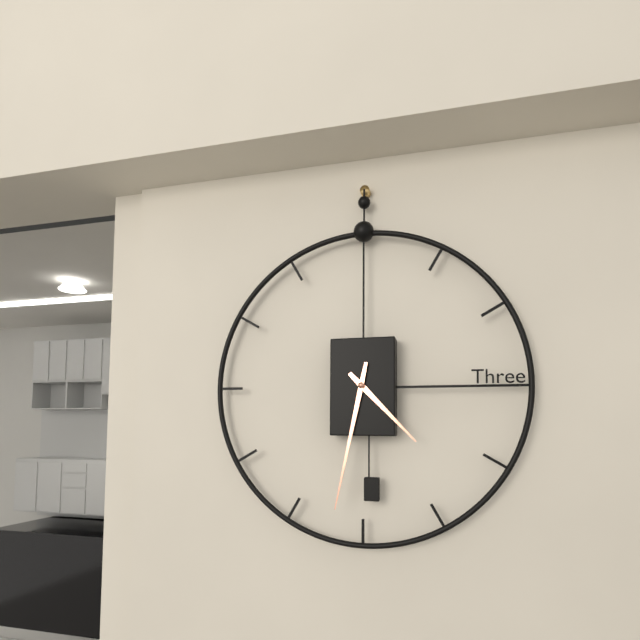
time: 4:32
